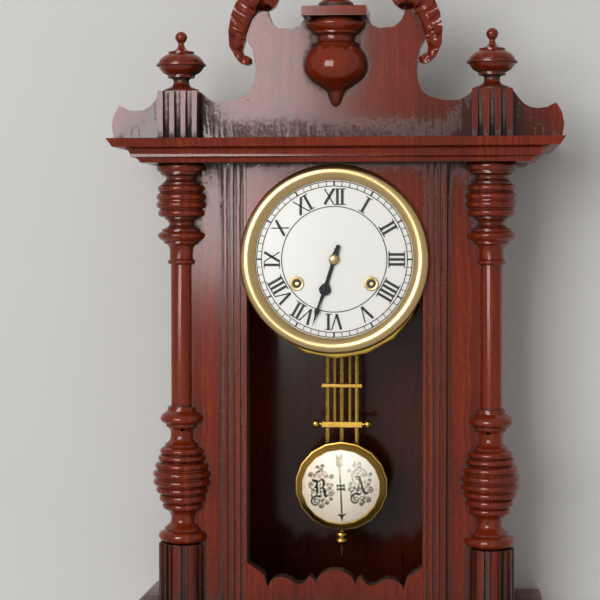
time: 6:33
